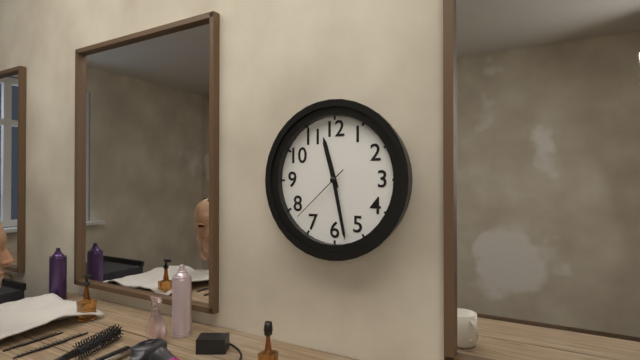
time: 11:28:38
